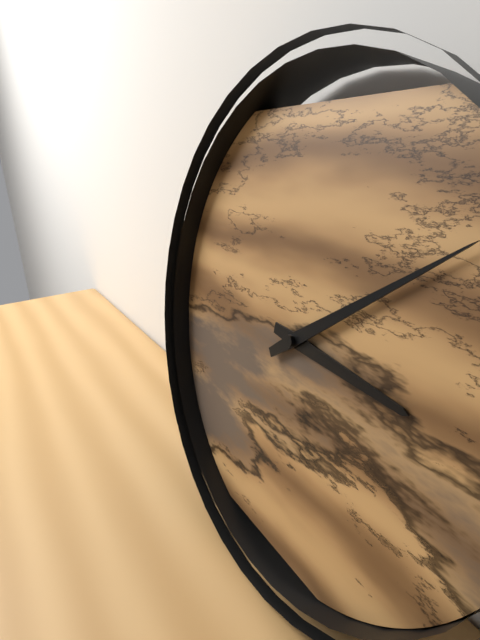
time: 3:09
